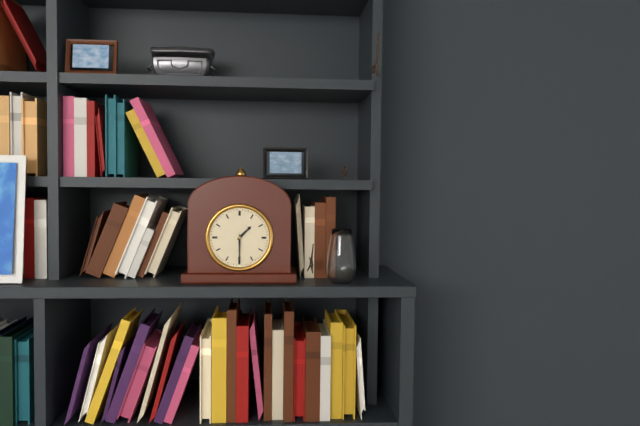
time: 1:30
